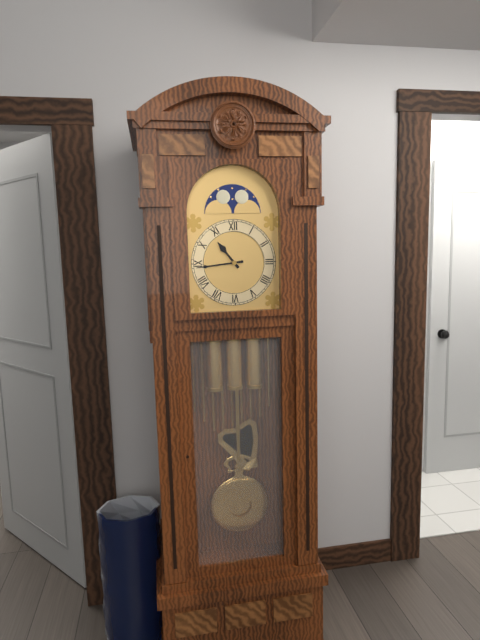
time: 10:44
